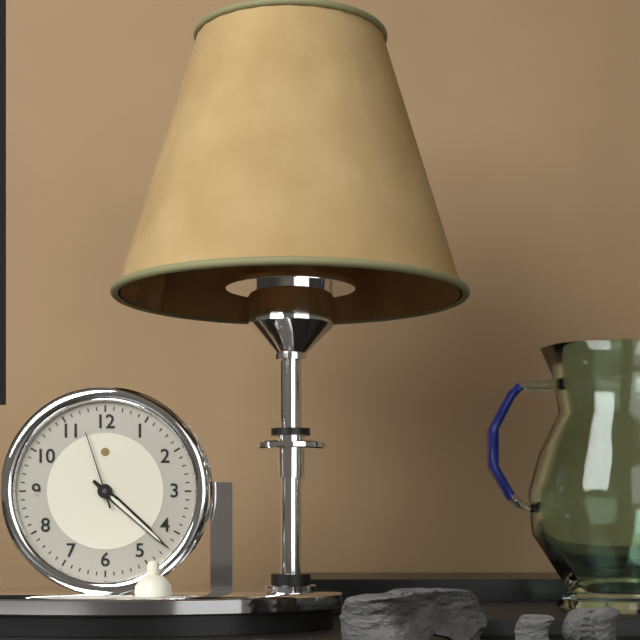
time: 4:22:57
